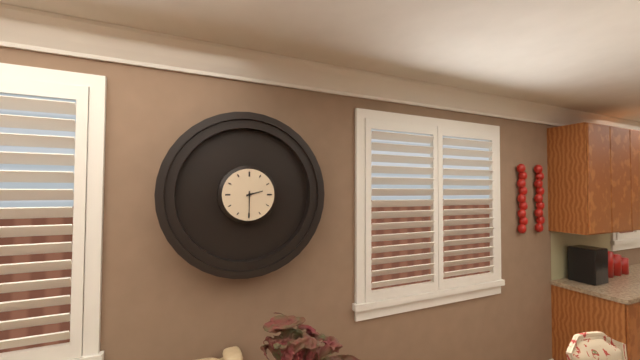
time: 2:30
